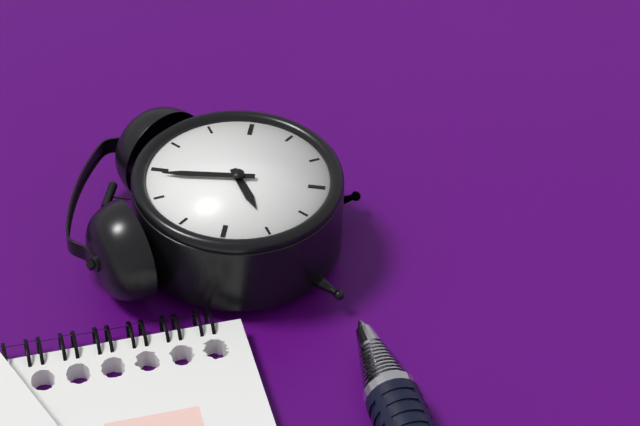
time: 7:59
